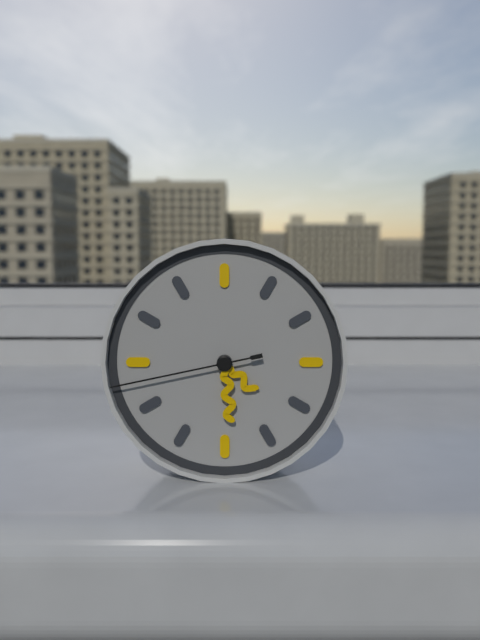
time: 4:29:43
